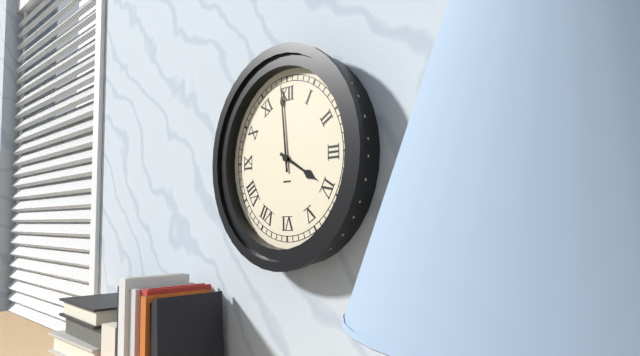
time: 3:59
